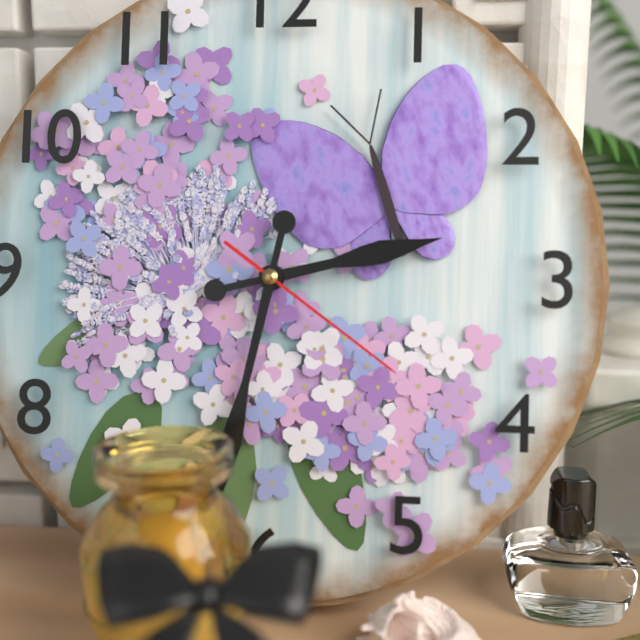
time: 2:32:21
